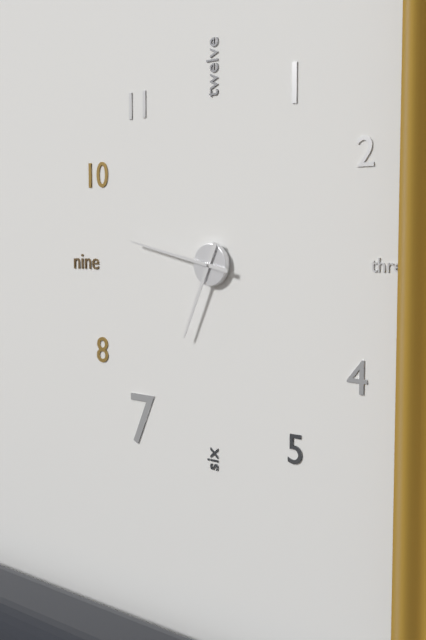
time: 6:47
